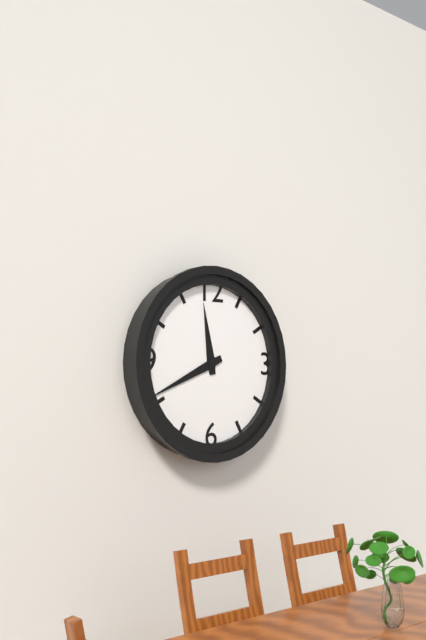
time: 11:41
